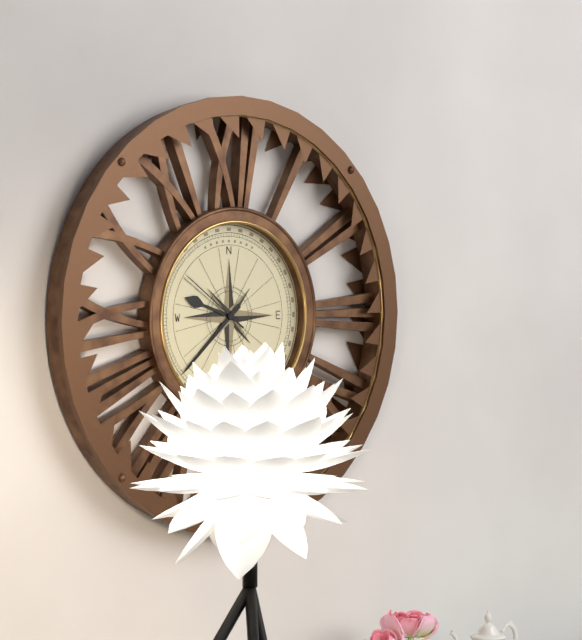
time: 9:38:51
